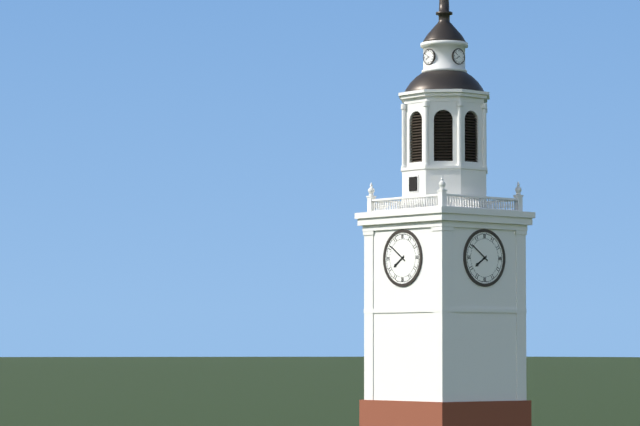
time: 7:51
